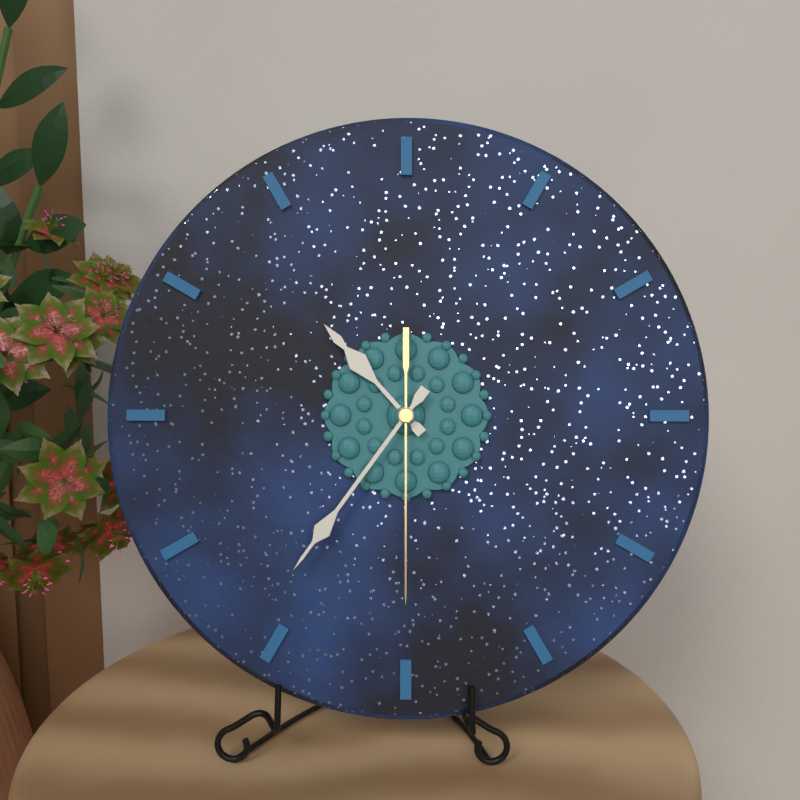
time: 10:36:30
